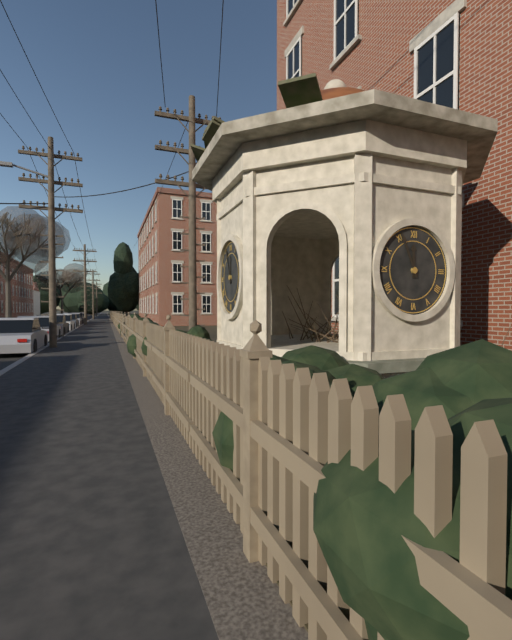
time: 11:56
